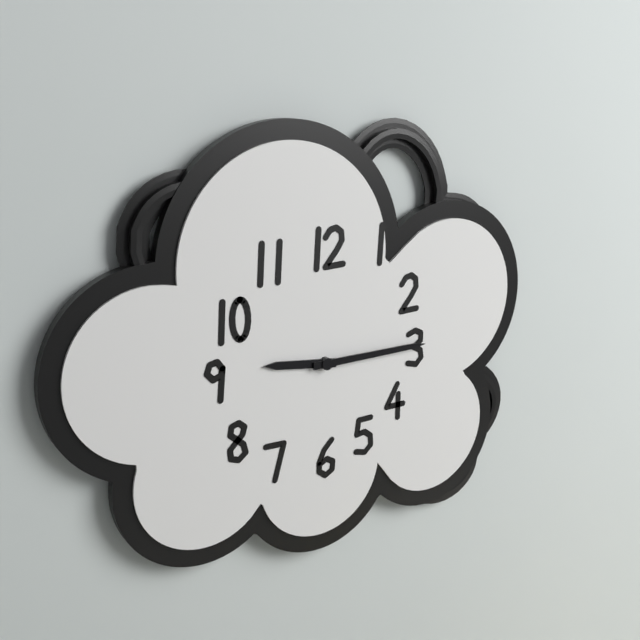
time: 9:15
